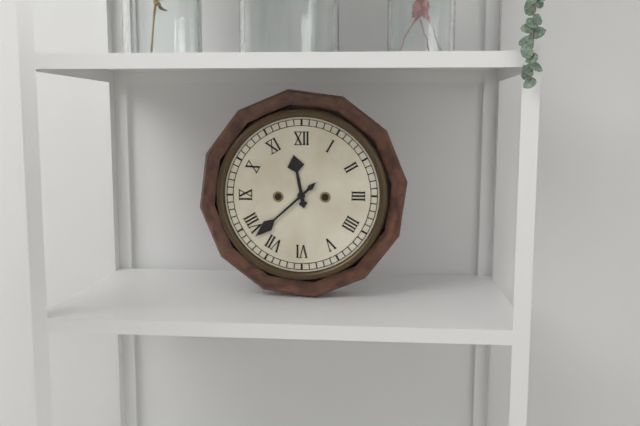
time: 11:38
